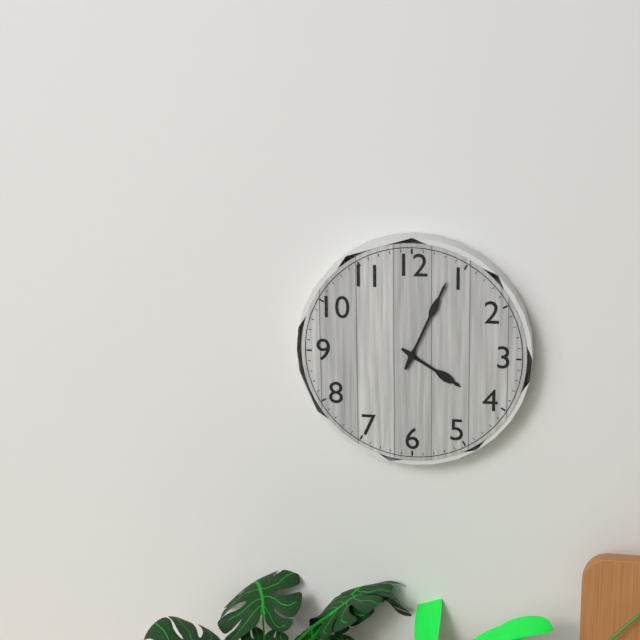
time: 4:04
